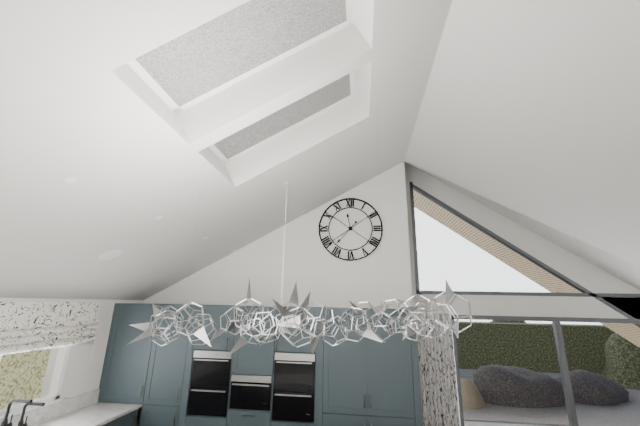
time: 11:37
